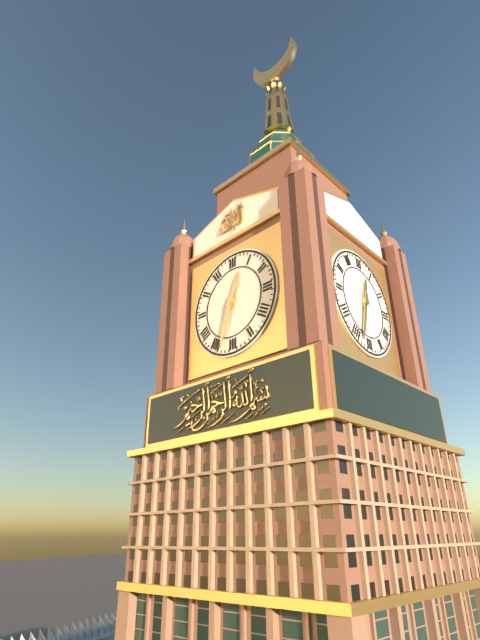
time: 12:33
